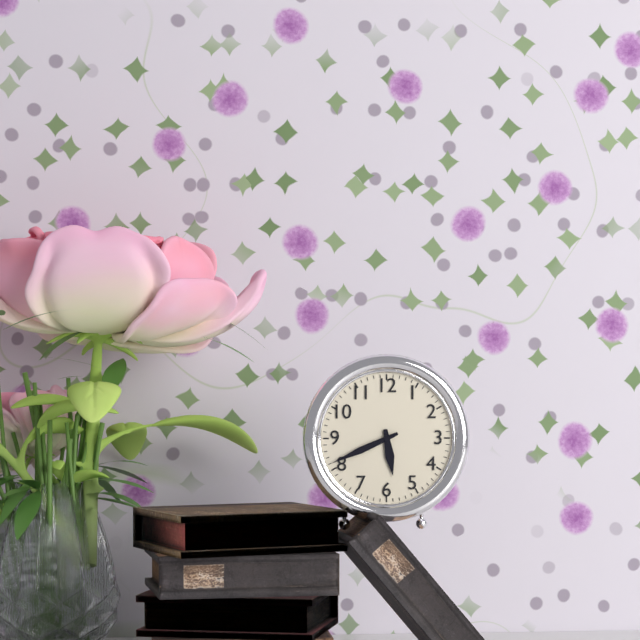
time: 5:41
